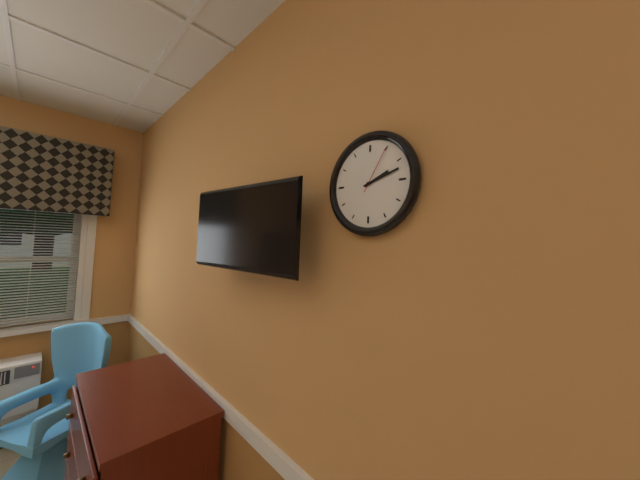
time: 2:12
